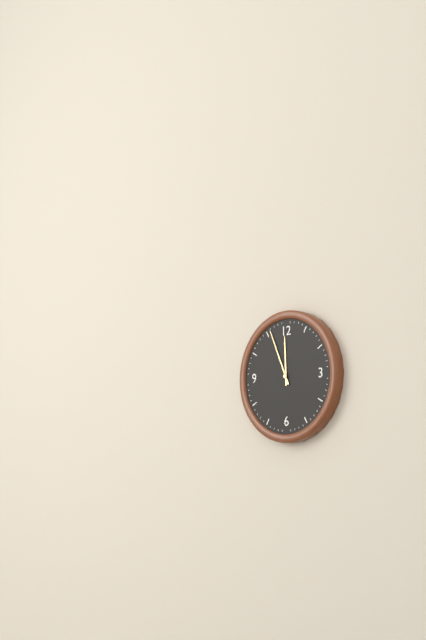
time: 11:56
